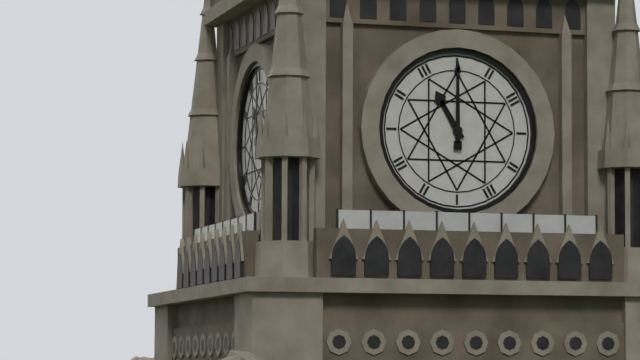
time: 11:00
